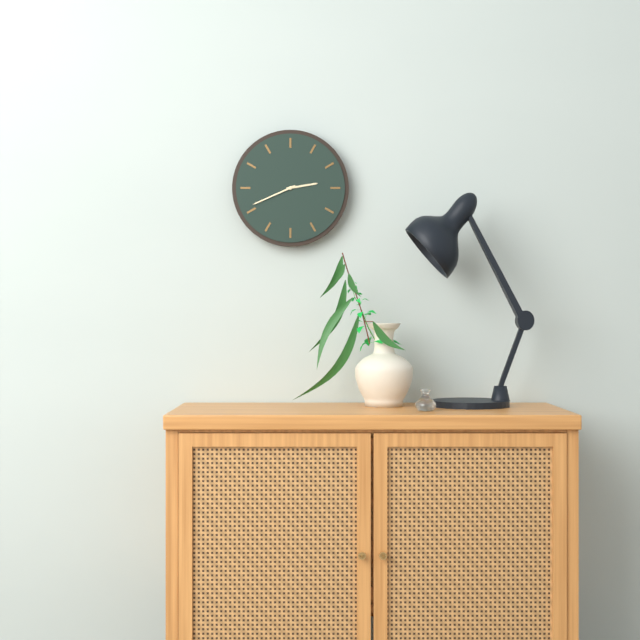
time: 2:41
